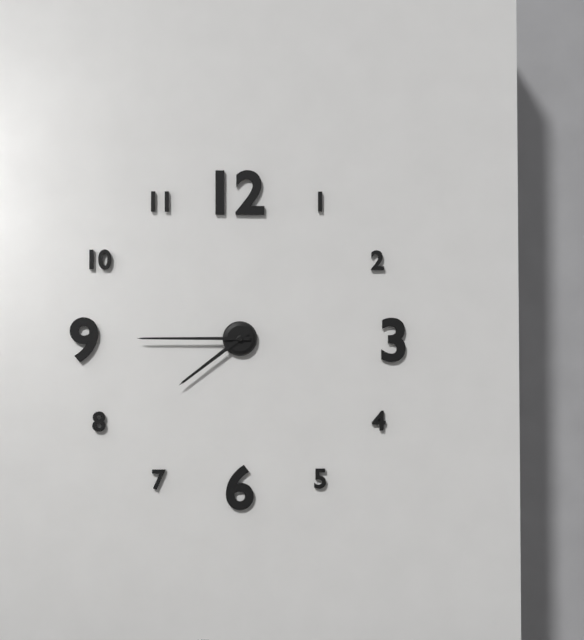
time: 7:45
